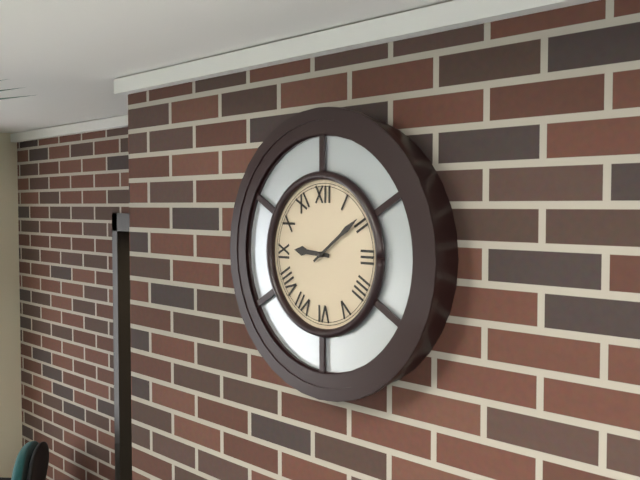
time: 9:09
